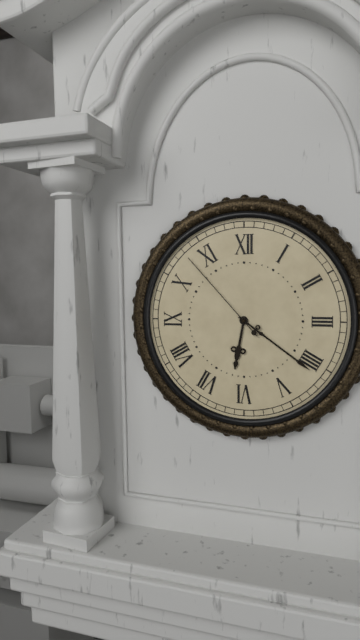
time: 6:21:53
